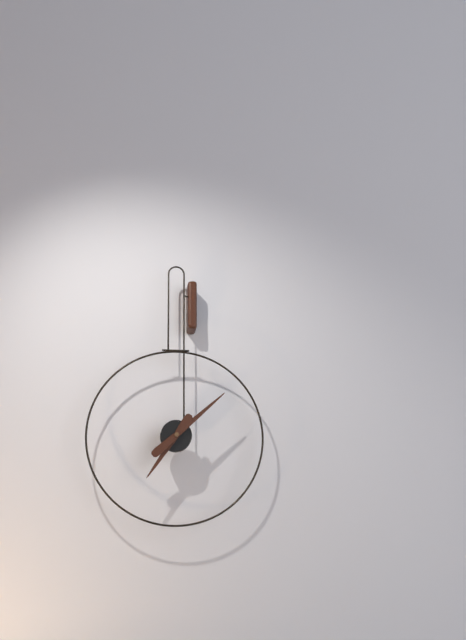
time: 7:08
